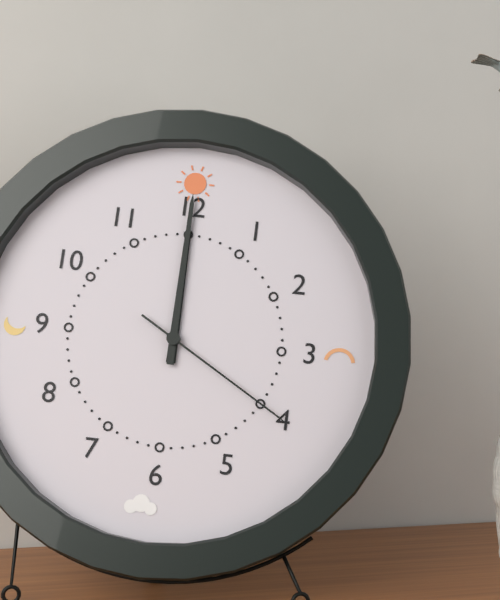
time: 12:00:20
